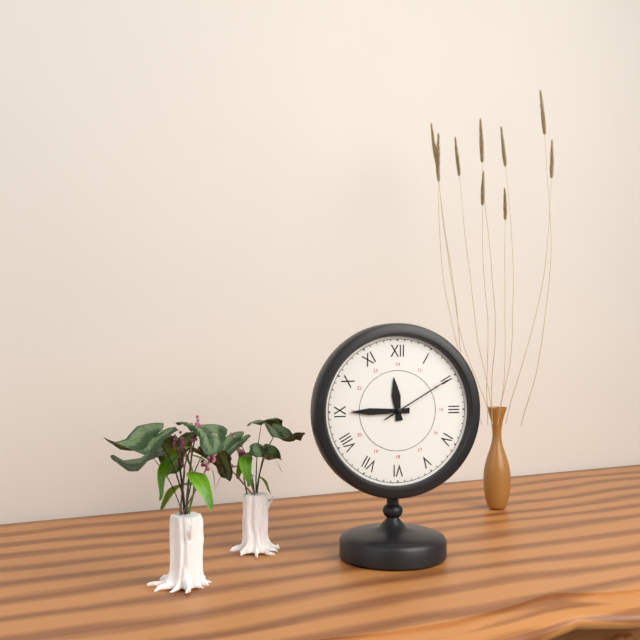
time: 11:45:10
